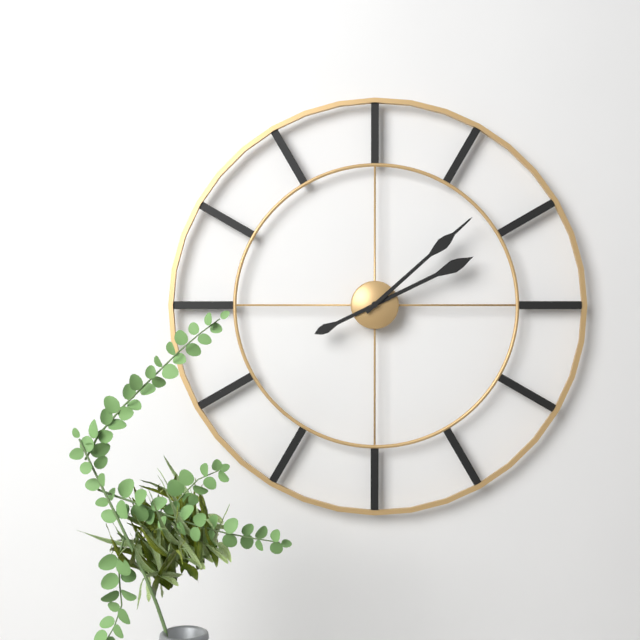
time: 2:08
